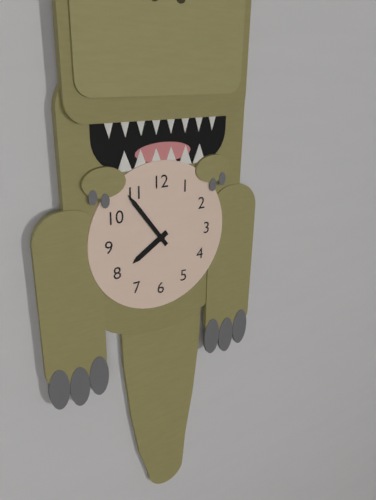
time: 7:54
